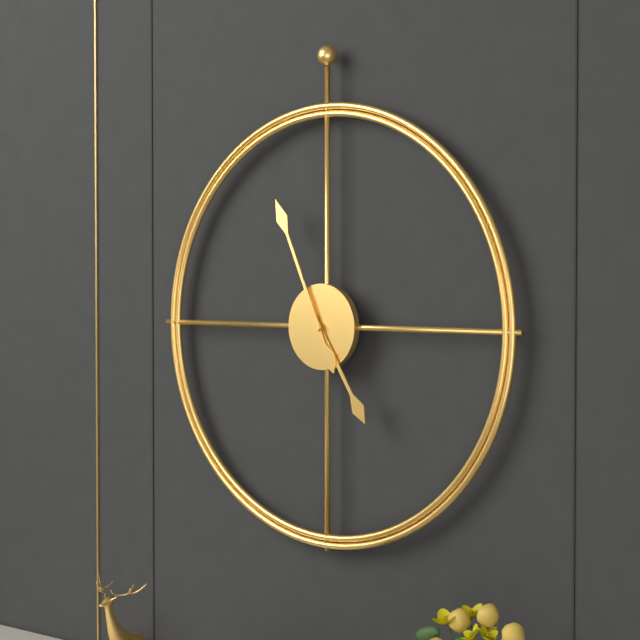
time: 4:56
